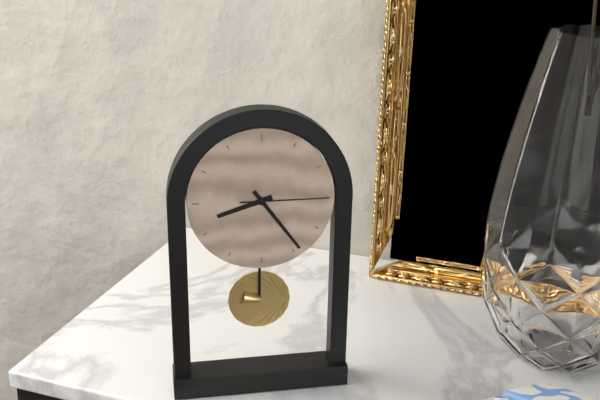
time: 8:24:15
